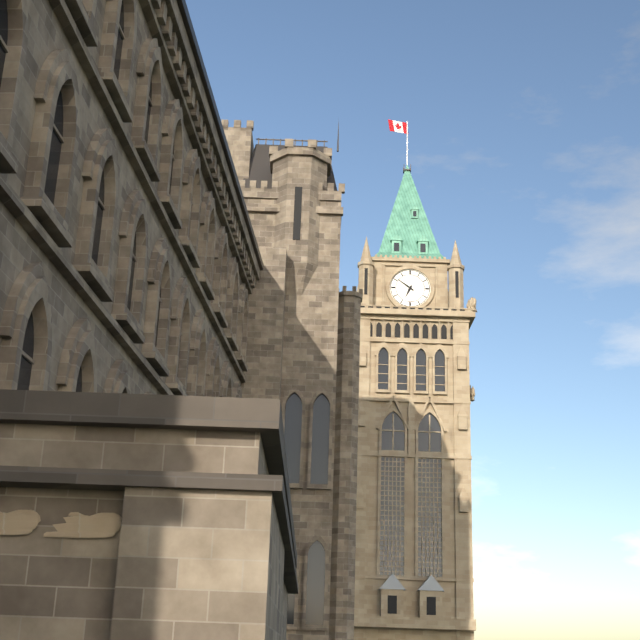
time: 6:51
